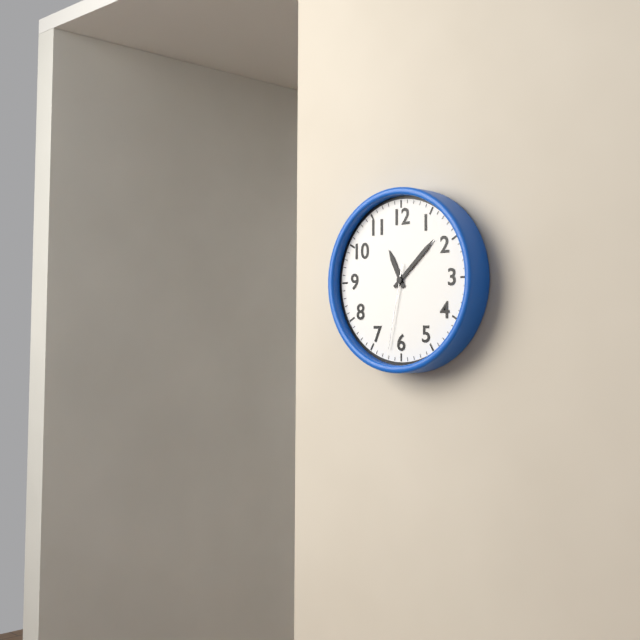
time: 11:08:32
